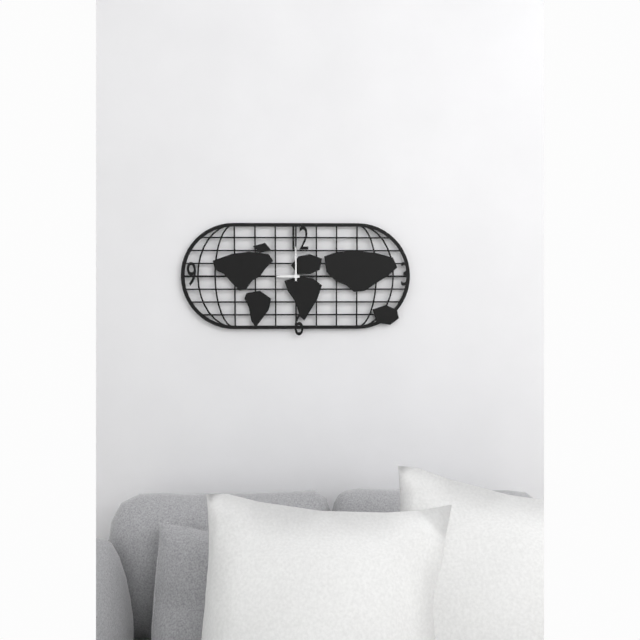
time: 9:00
